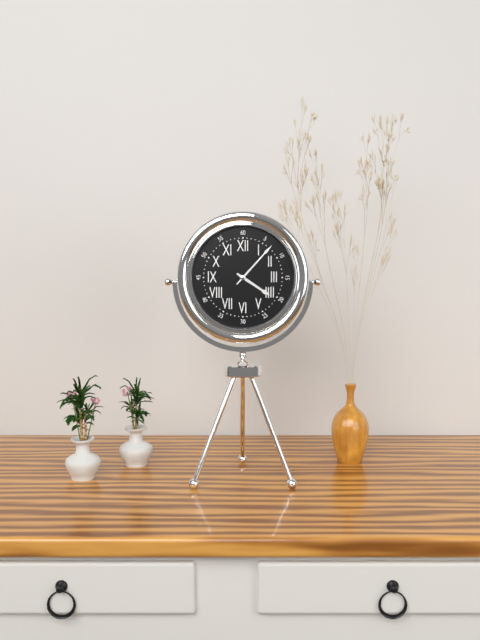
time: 4:07
